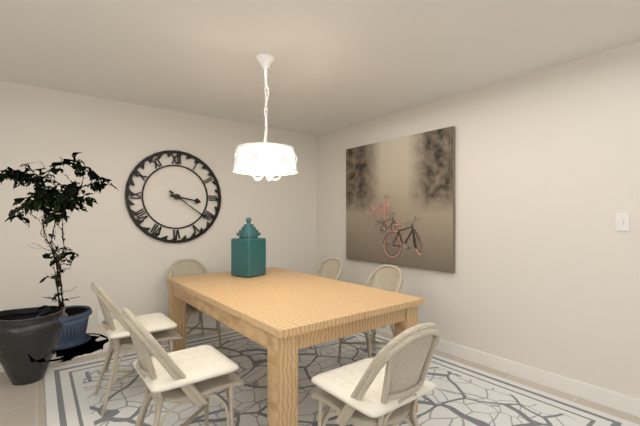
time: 3:21
